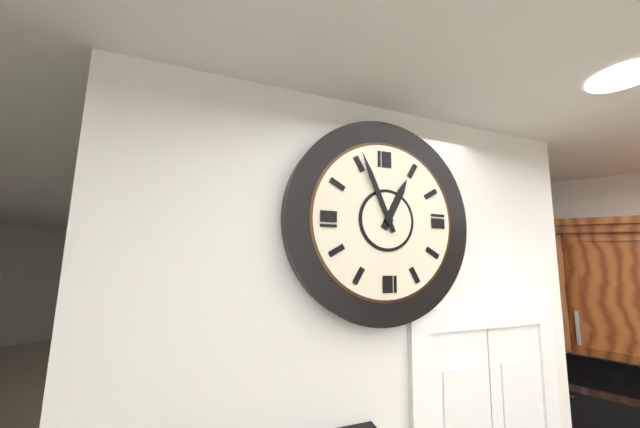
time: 12:56
